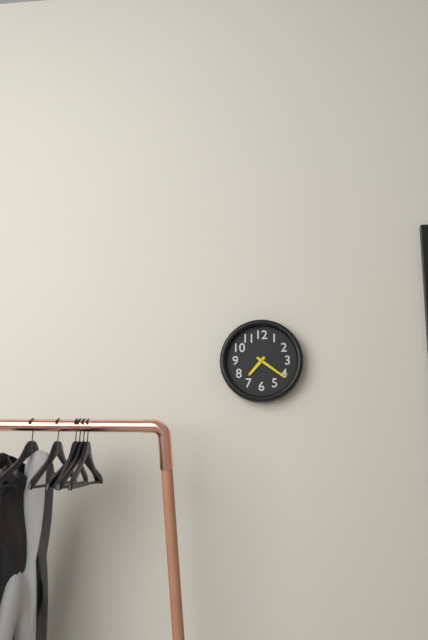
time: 7:21
